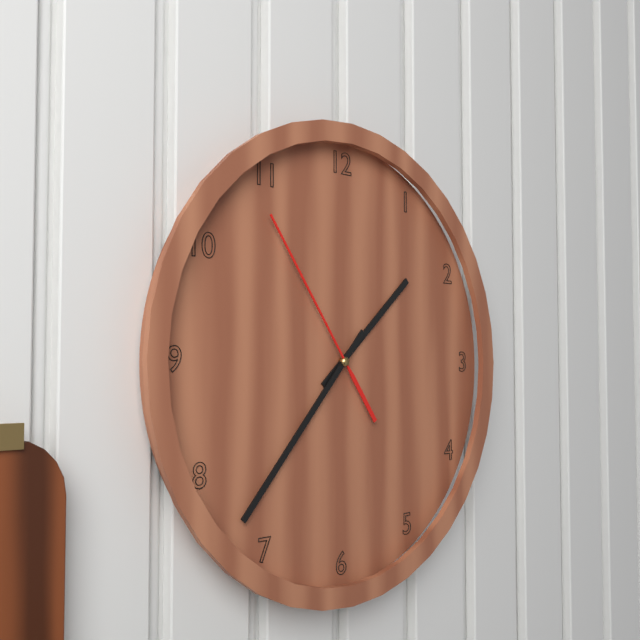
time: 1:37:54
